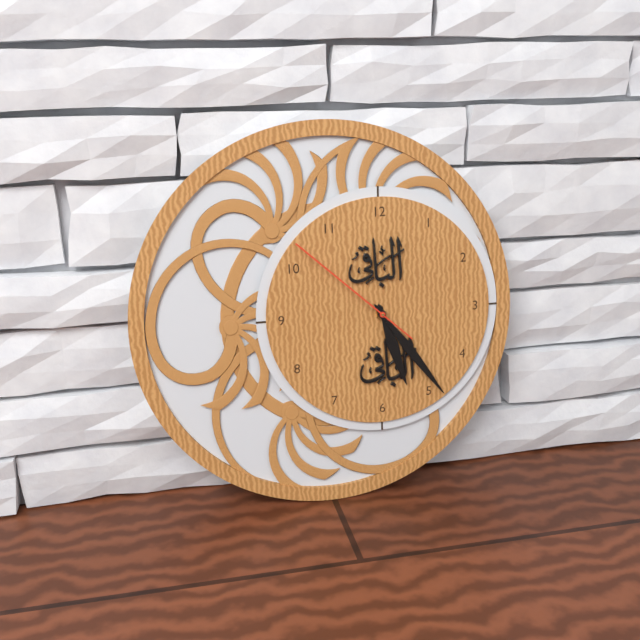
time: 5:24:52
